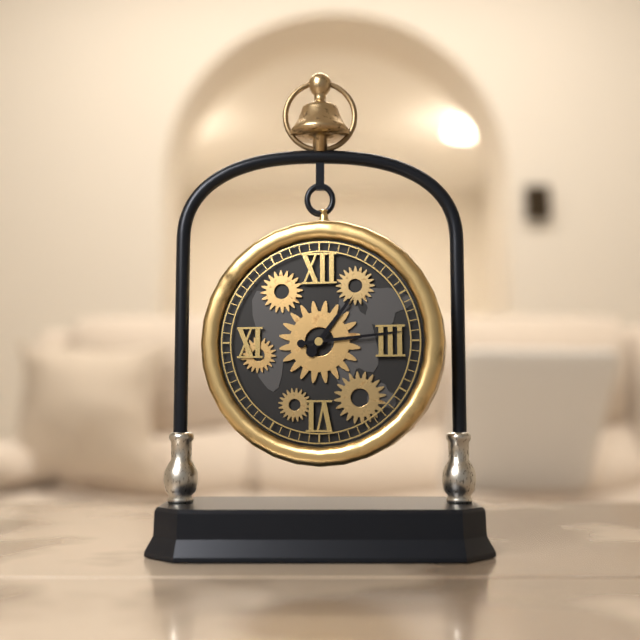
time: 1:14
